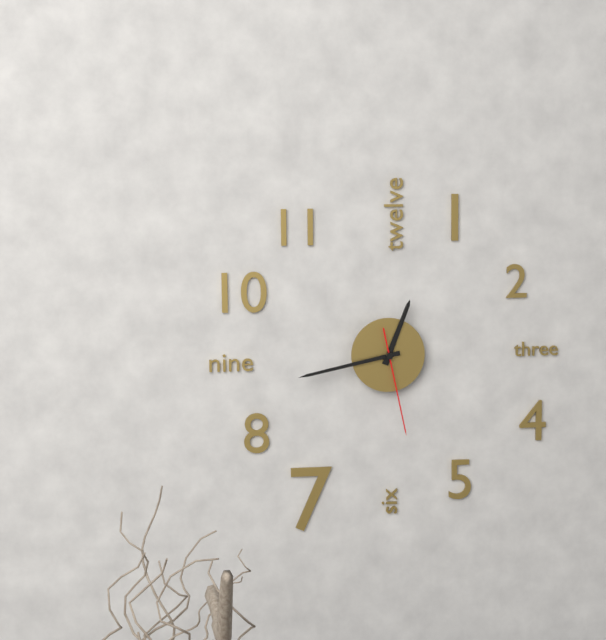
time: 12:43:28
